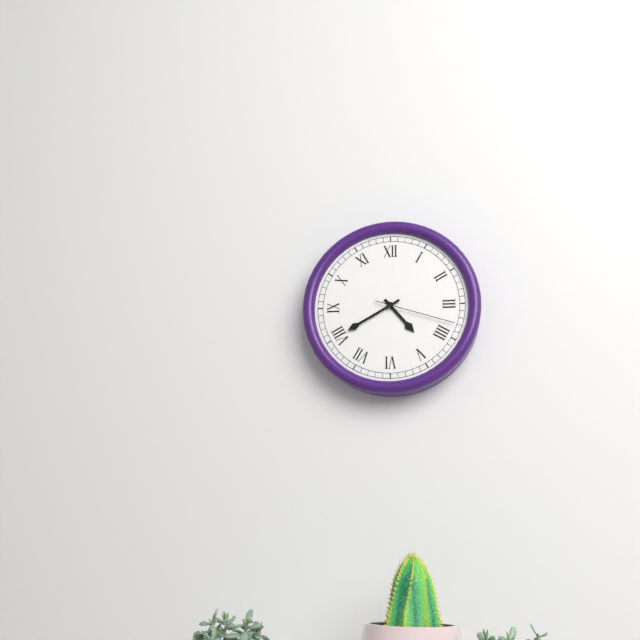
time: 4:40:18
